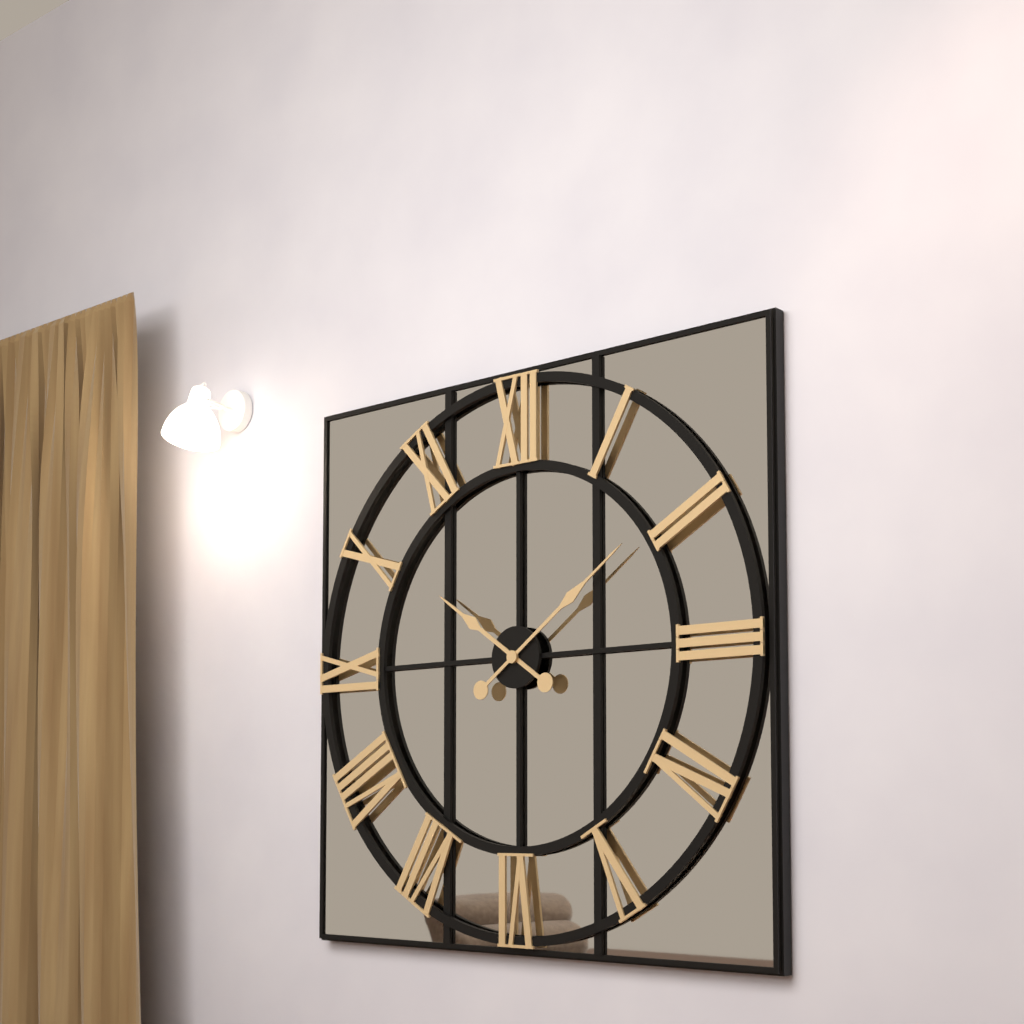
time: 10:09
